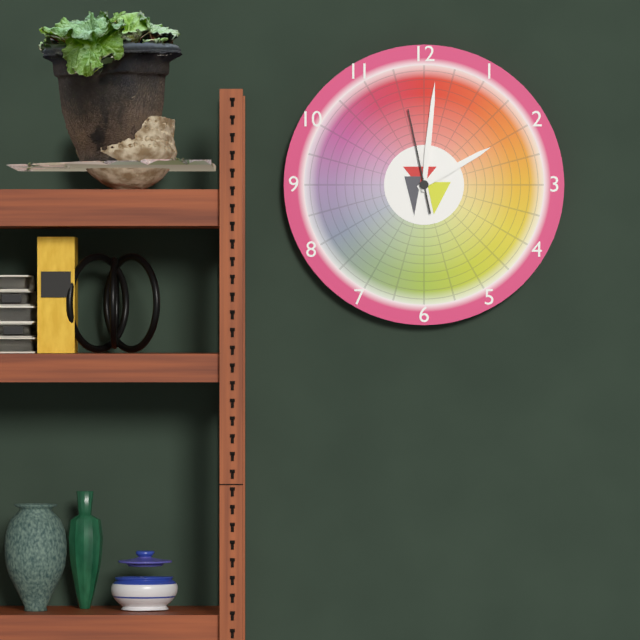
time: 2:01:58
